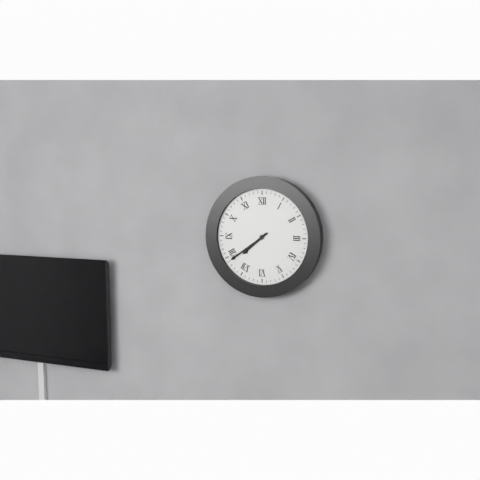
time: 7:39
